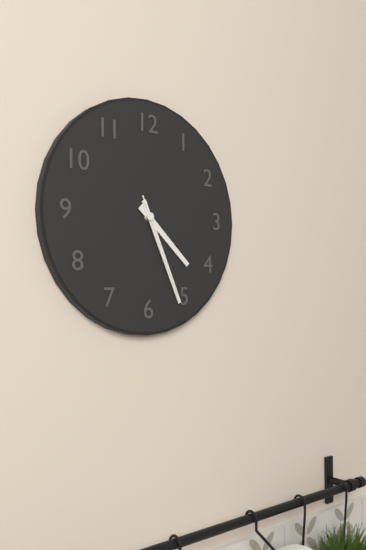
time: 4:26:26
